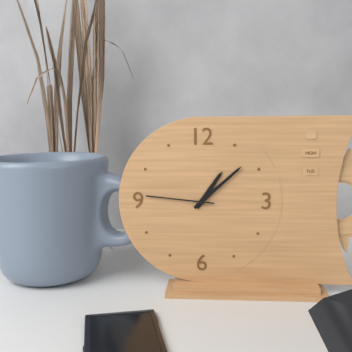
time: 1:08:46
